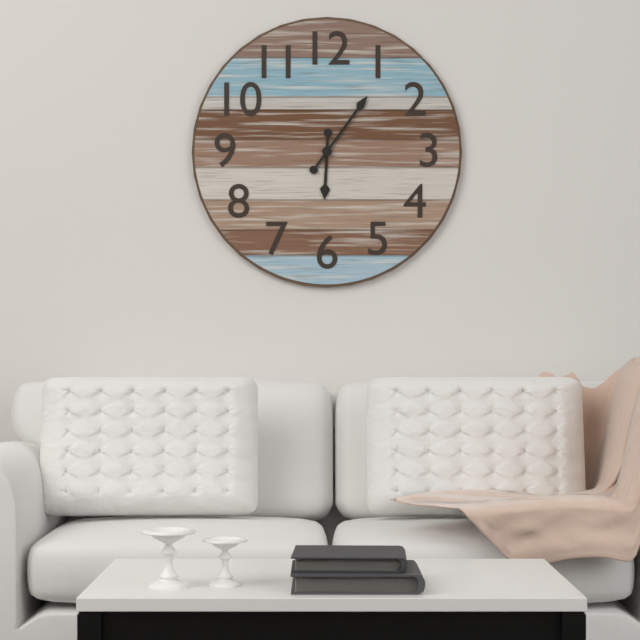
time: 6:06
